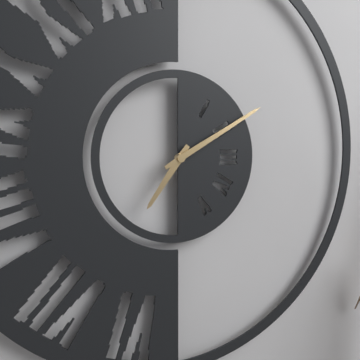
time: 7:10
